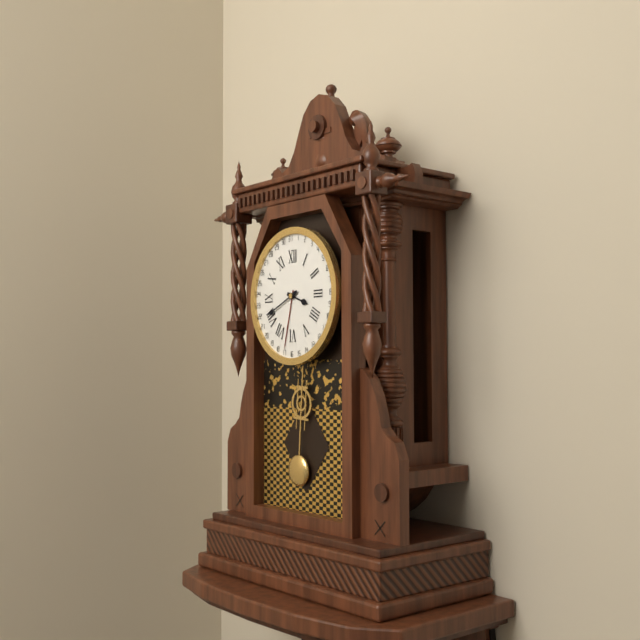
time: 3:41
